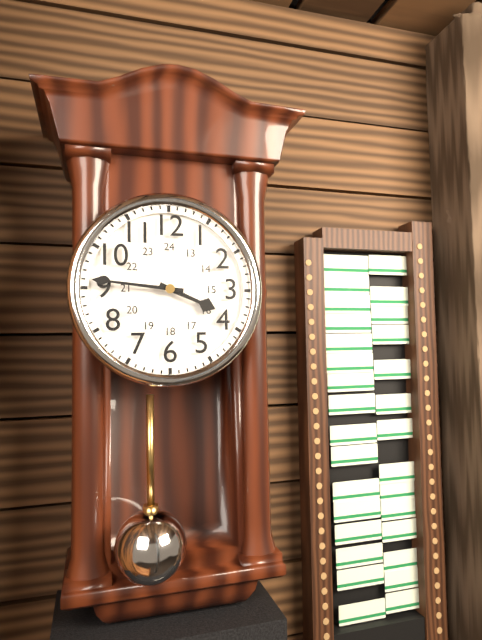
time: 3:46
